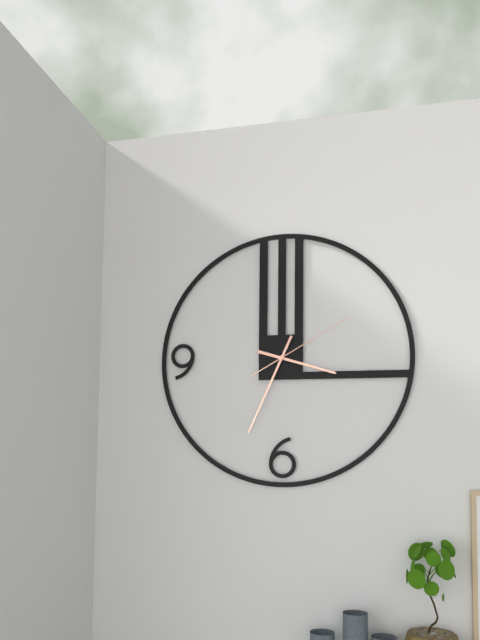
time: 3:34:10
